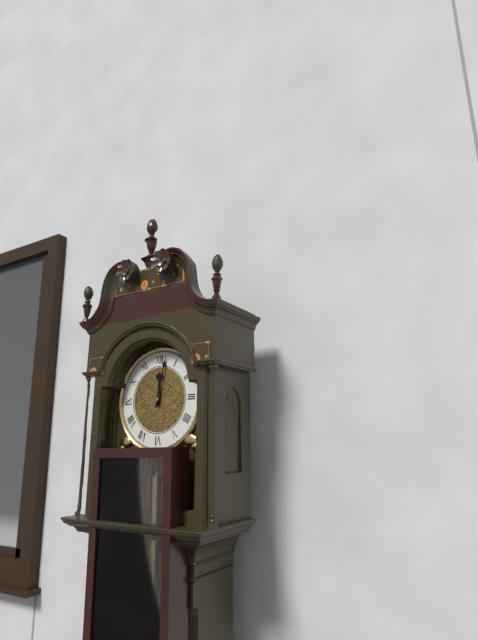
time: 12:02
